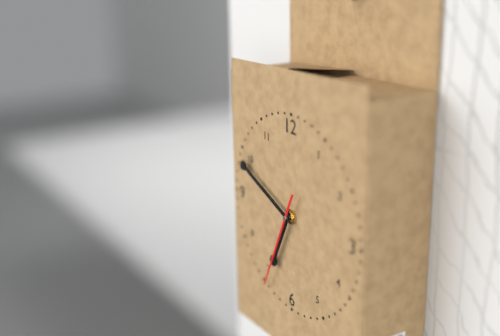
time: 6:49:34
